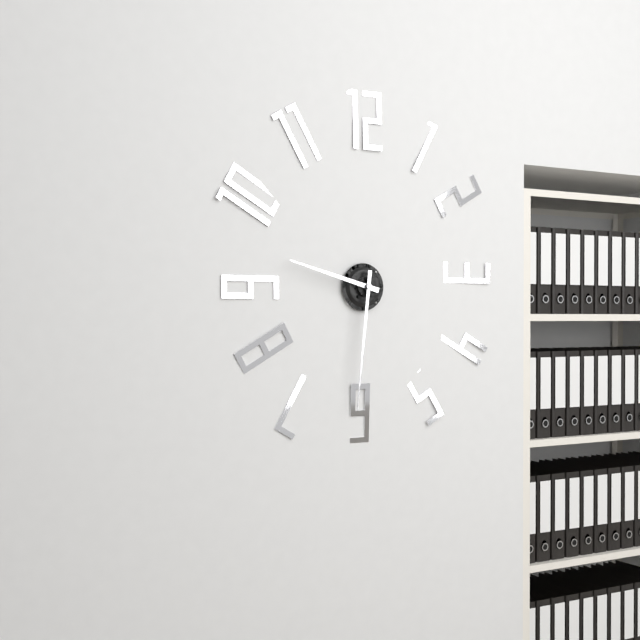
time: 9:31
